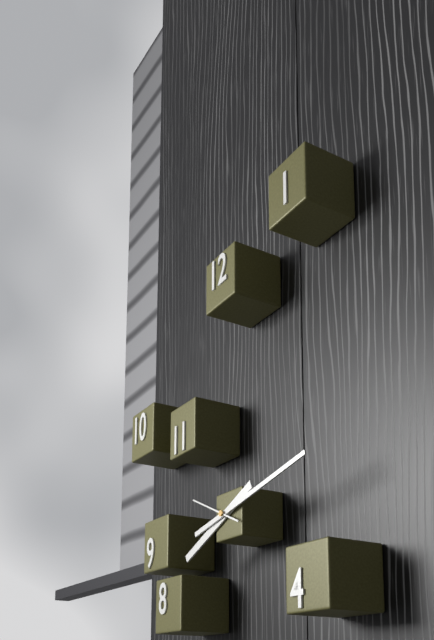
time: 8:13
